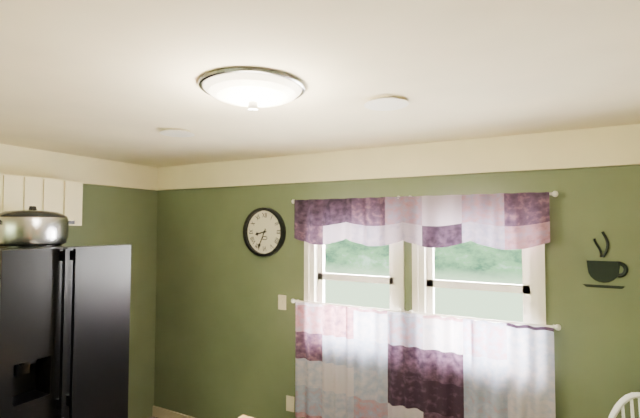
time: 8:34
